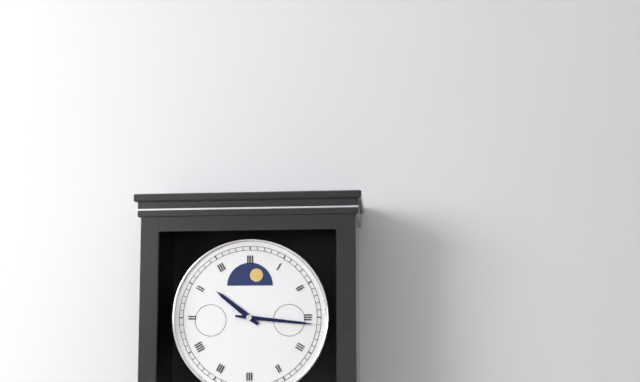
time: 10:16
